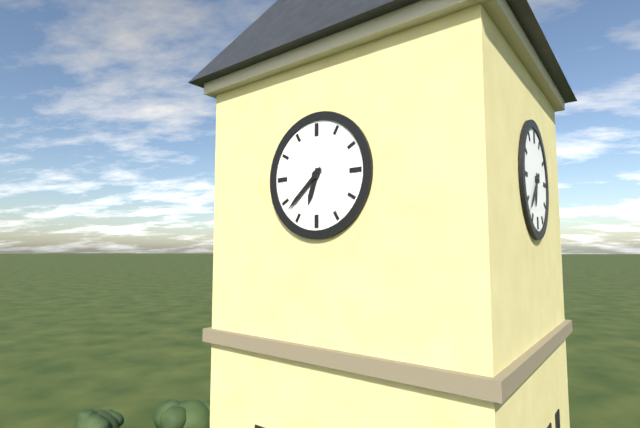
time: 6:38
